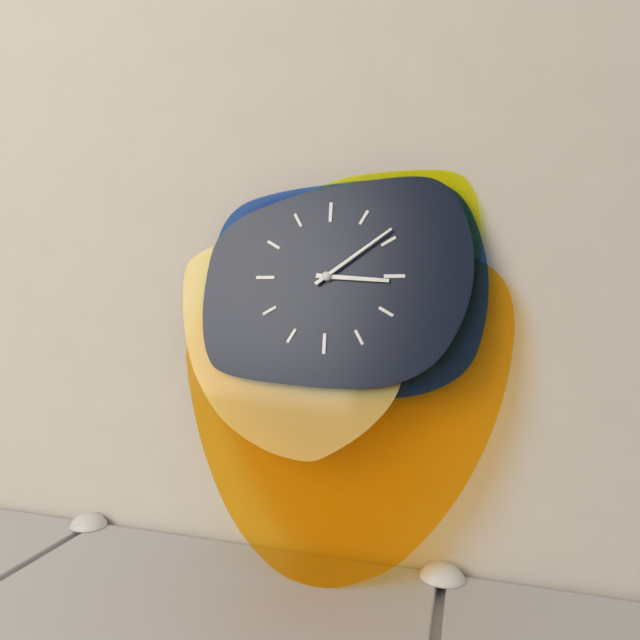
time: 3:09
